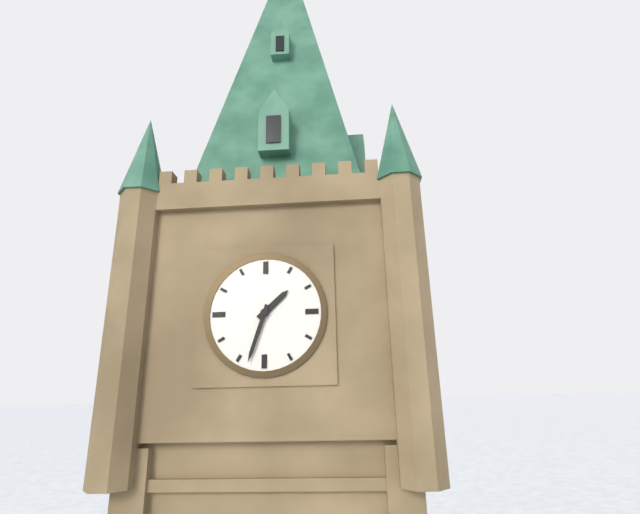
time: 1:33
